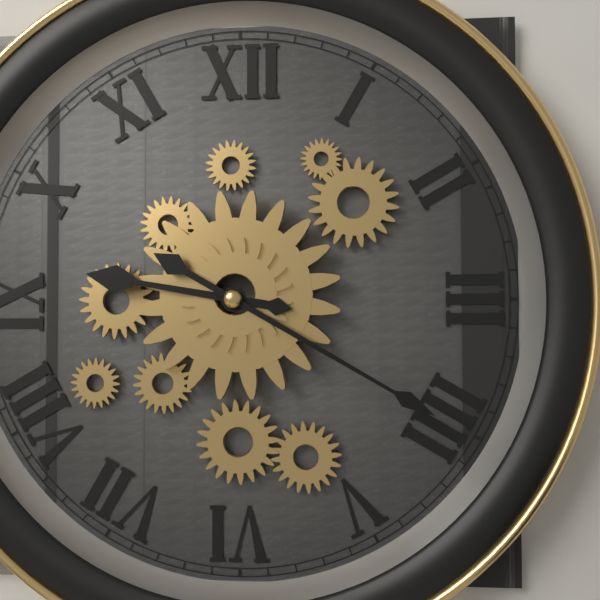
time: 9:20
